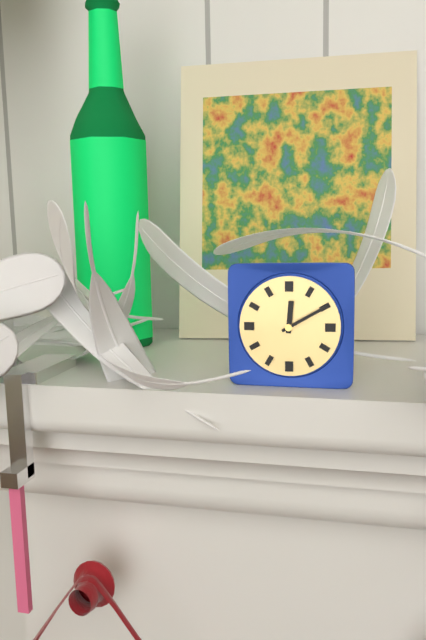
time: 12:10
